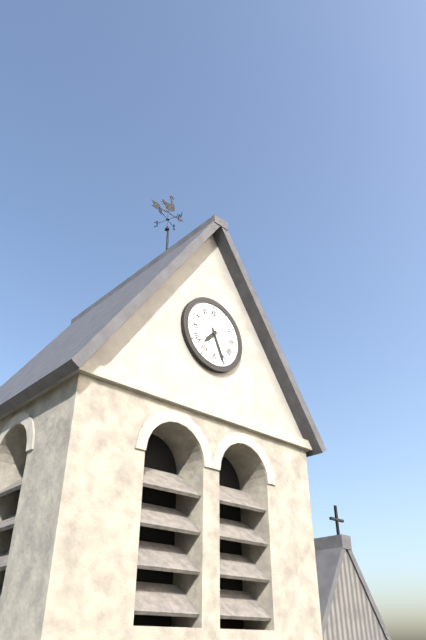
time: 7:26
